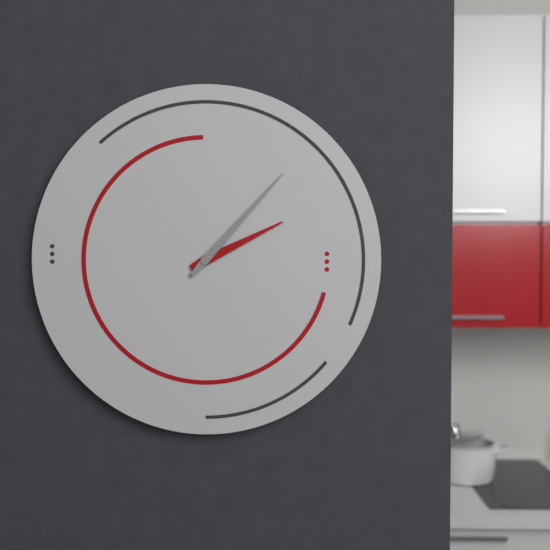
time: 2:07
